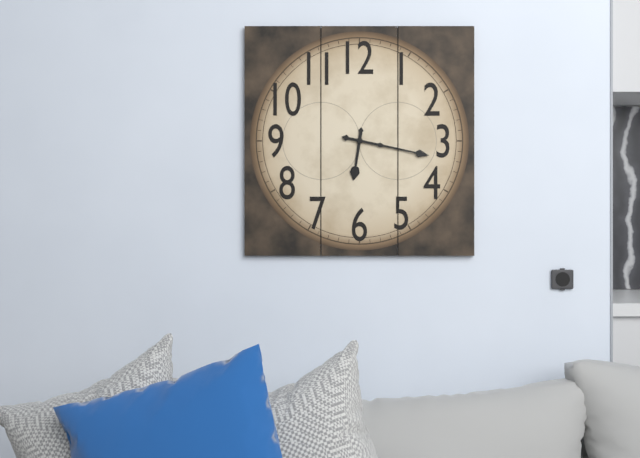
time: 6:17
